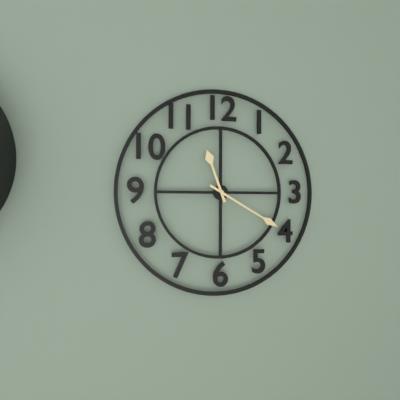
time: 11:20
